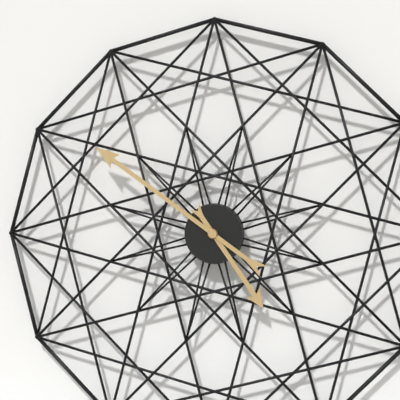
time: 4:51
